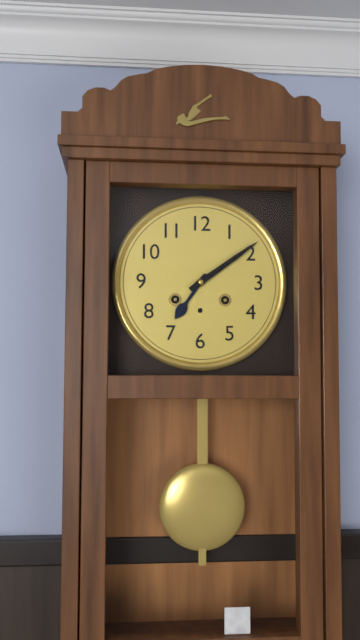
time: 7:09
